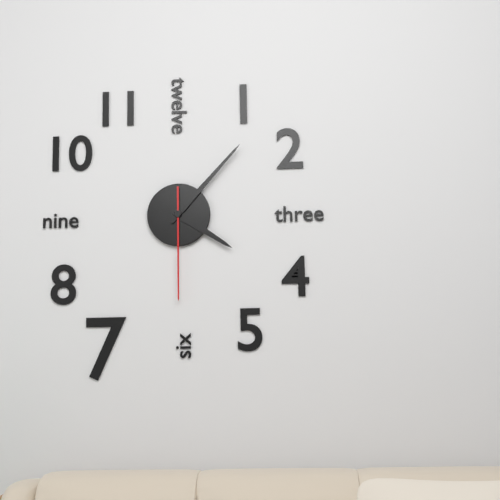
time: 4:07:30
